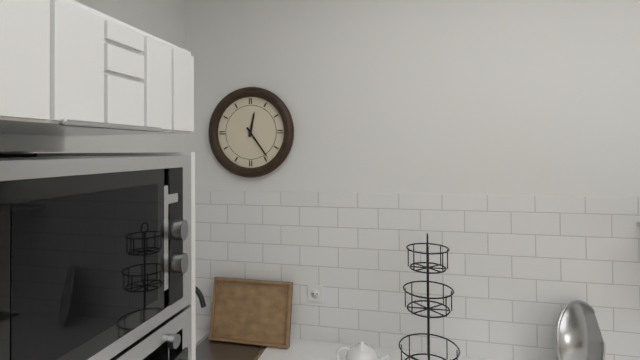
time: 12:24
